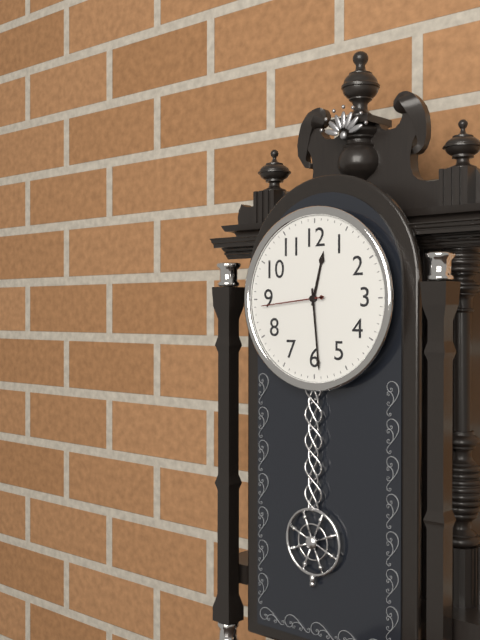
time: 12:29:44
